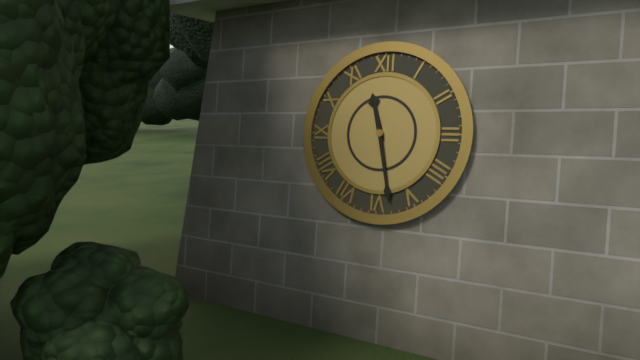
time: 11:28
